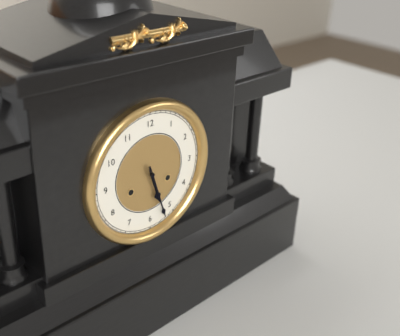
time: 5:27
